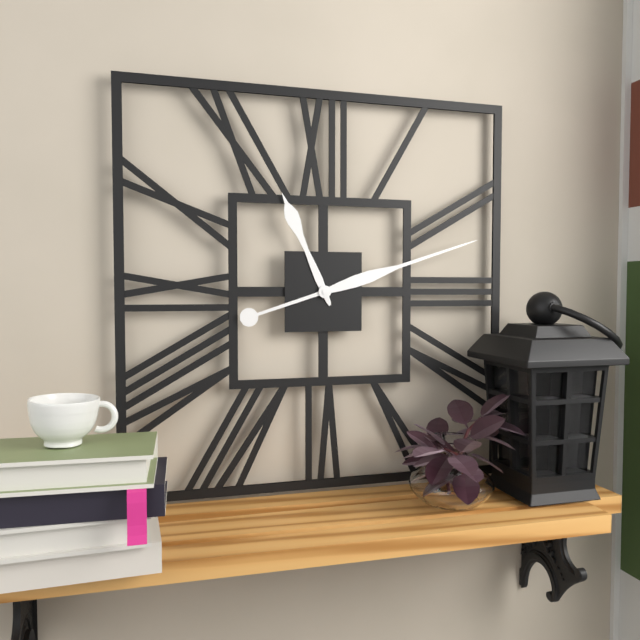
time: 11:12
